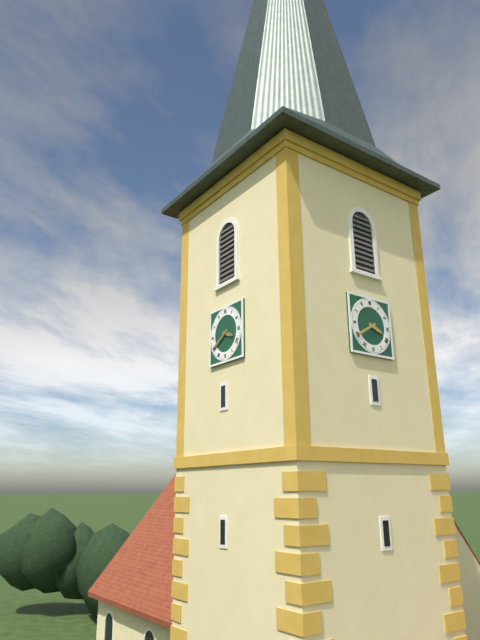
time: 3:40
